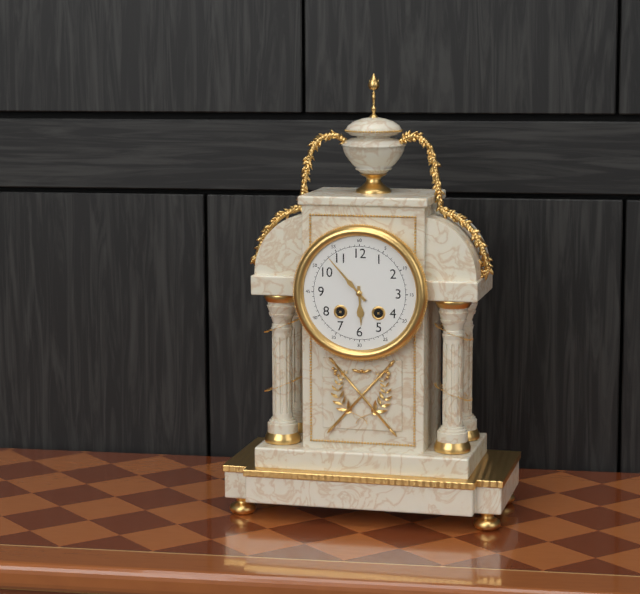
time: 5:53
